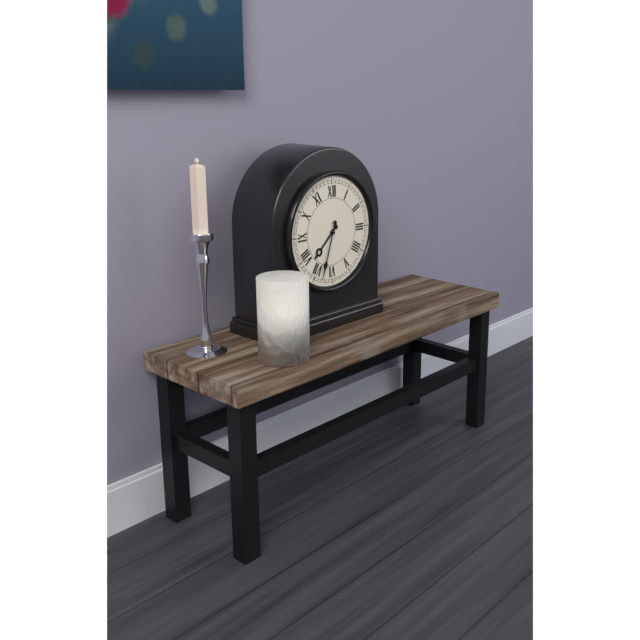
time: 7:33
